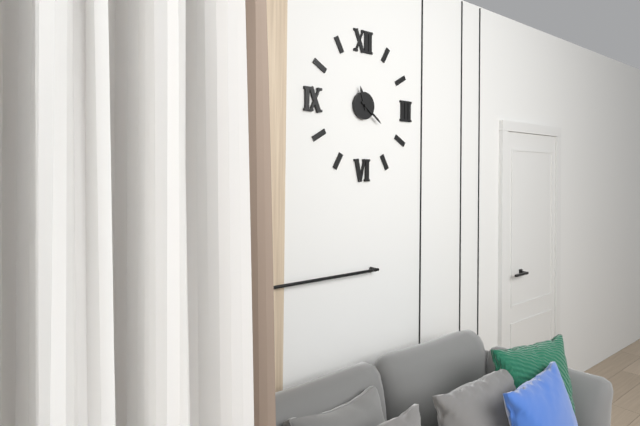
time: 11:21
